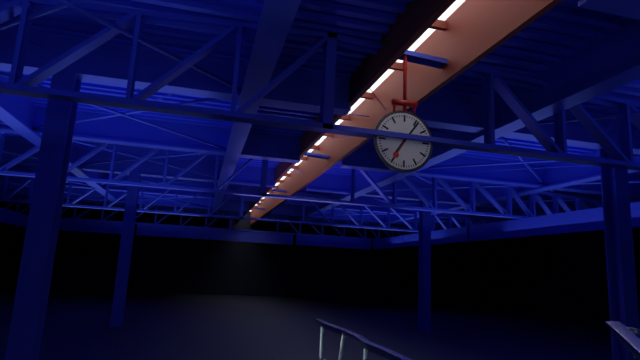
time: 7:06
